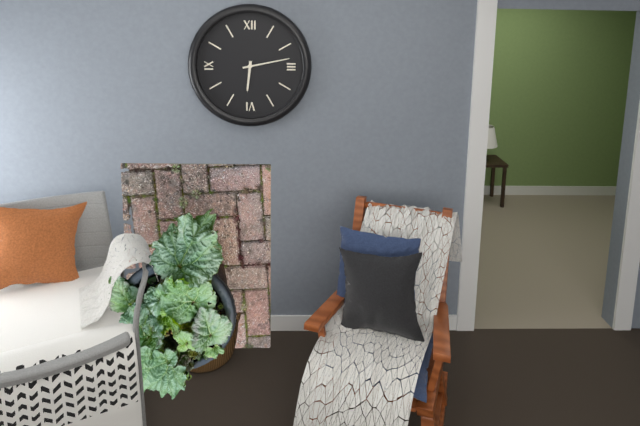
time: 6:13
